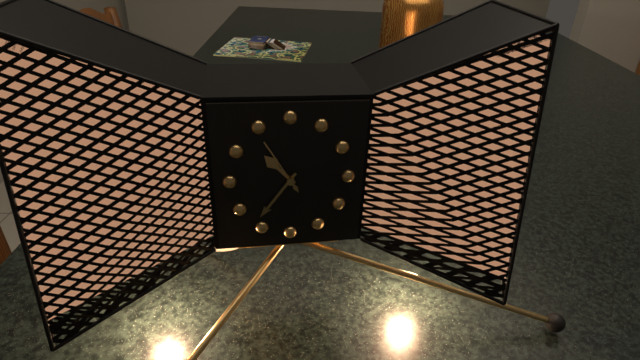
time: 10:36:55
